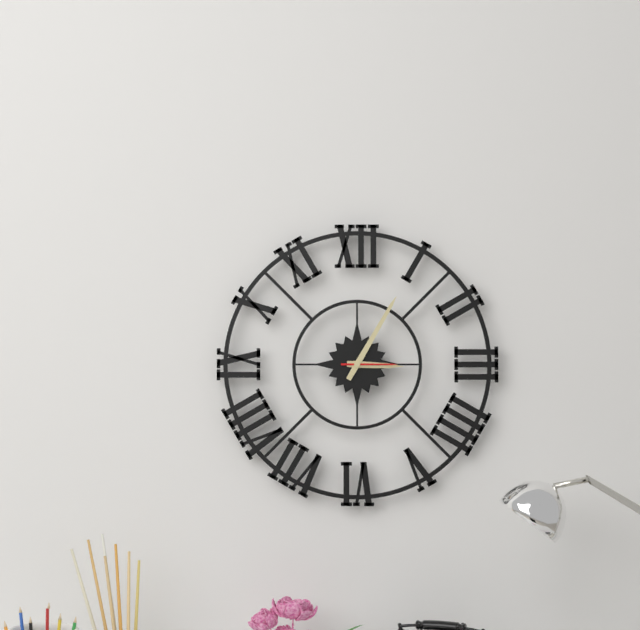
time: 3:05:15
